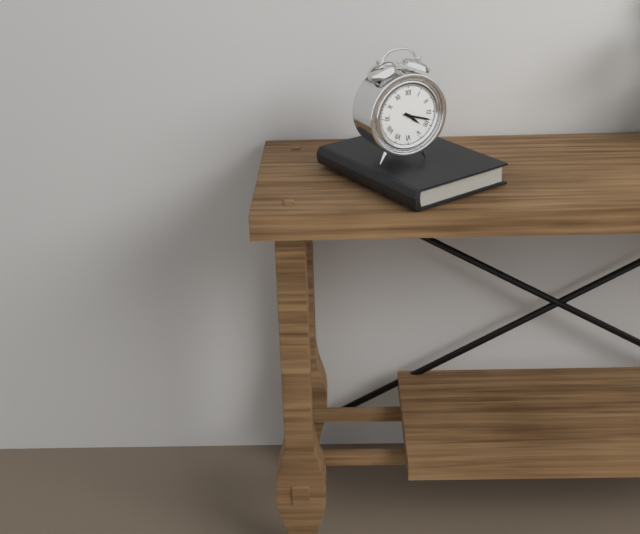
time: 4:18
